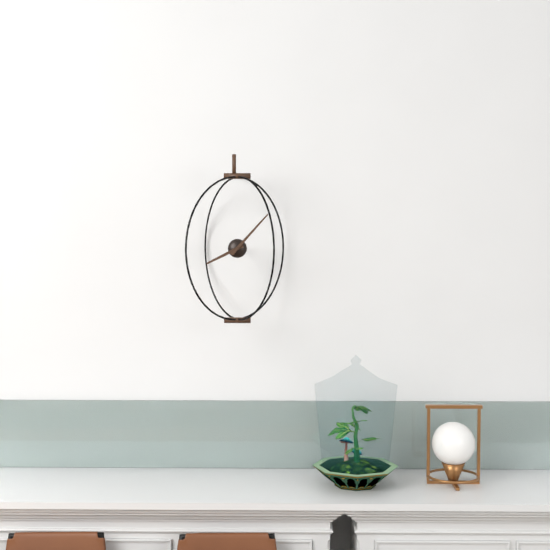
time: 8:07
